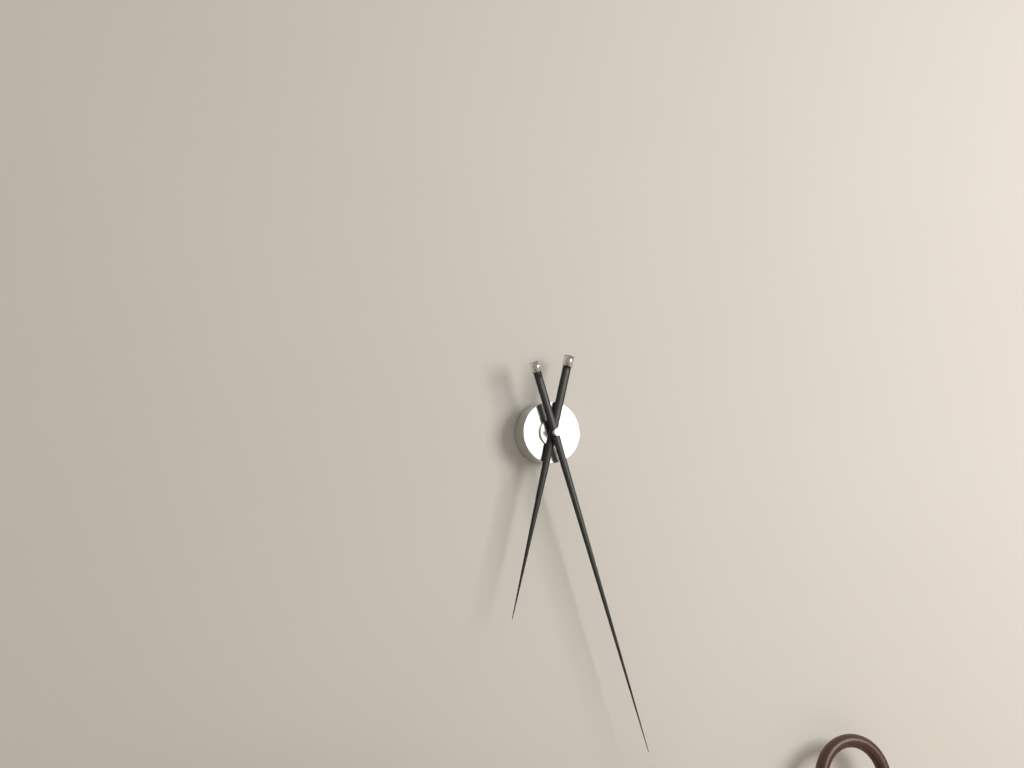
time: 6:27
